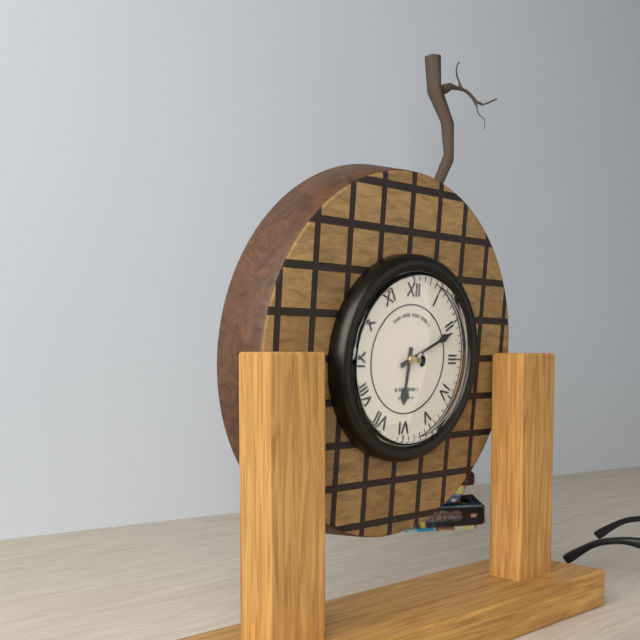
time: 6:11
